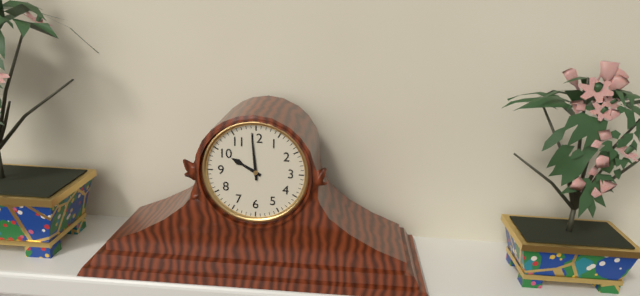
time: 9:59
